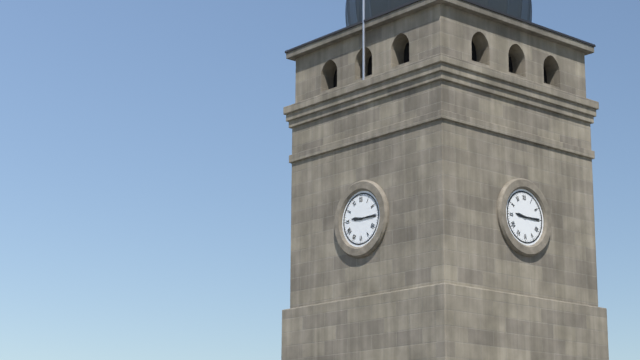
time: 9:15
